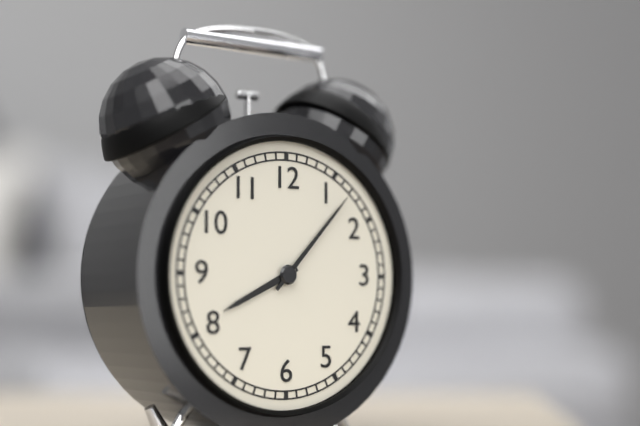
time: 8:07
